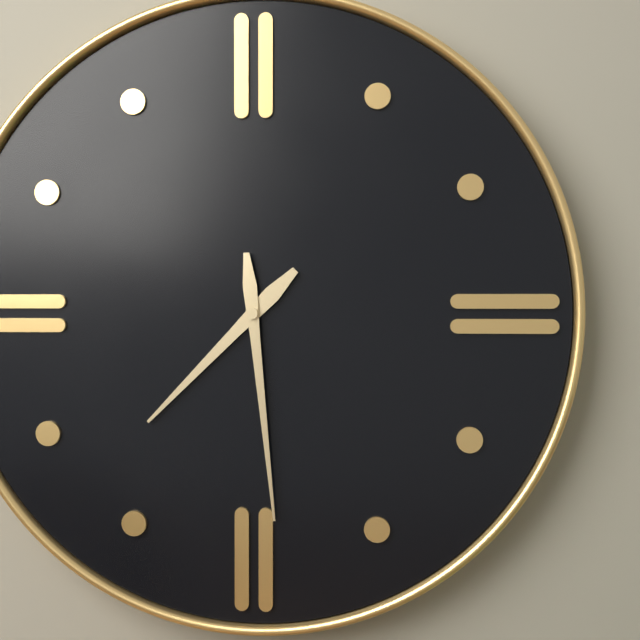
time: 7:29
